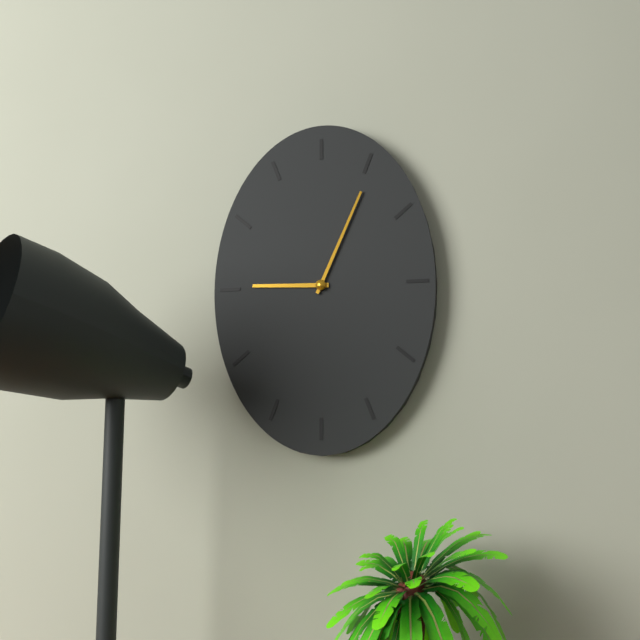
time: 9:04
